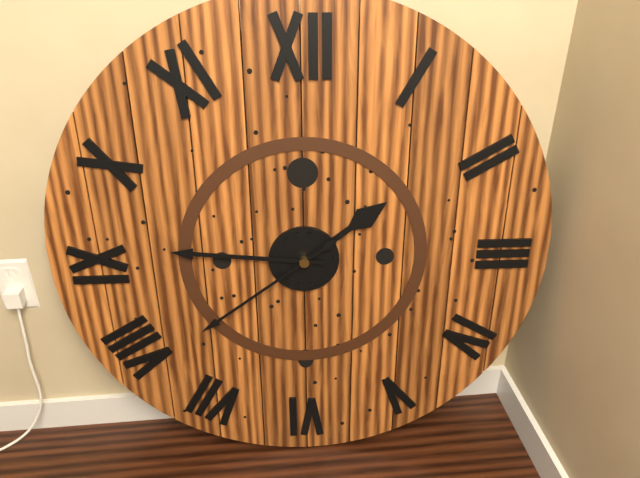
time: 1:46:39
